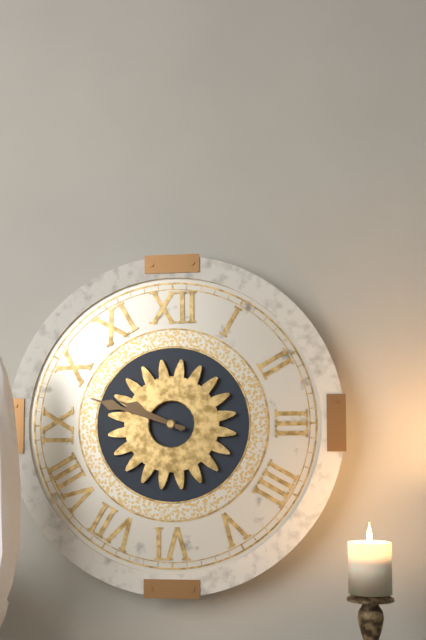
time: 9:48
